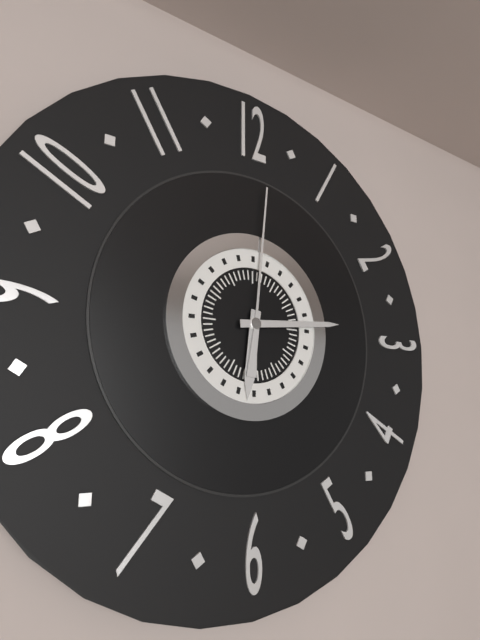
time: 6:14:01
